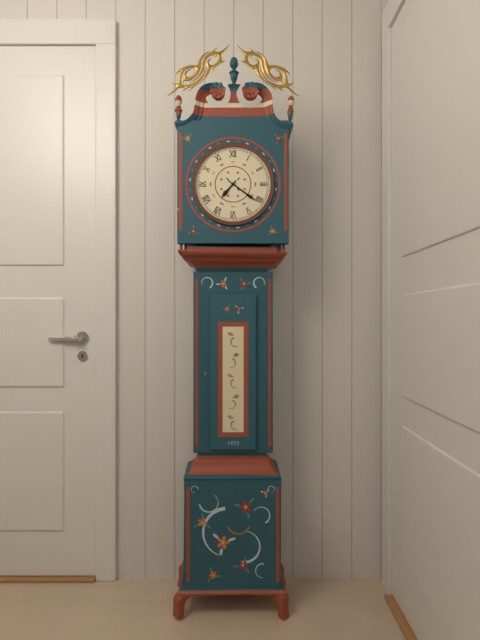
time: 7:21
